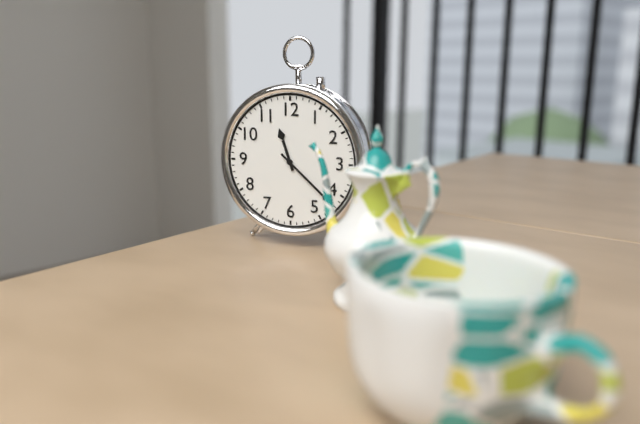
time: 11:22
